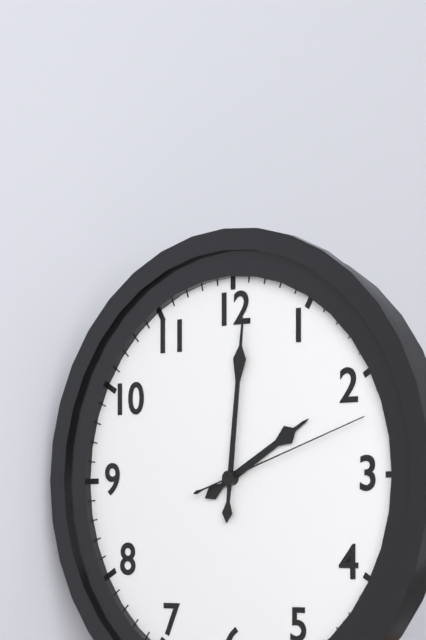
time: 2:01:12
